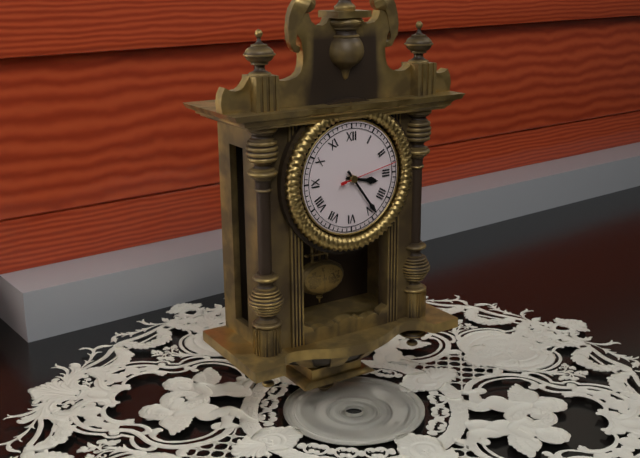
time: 3:24:13
